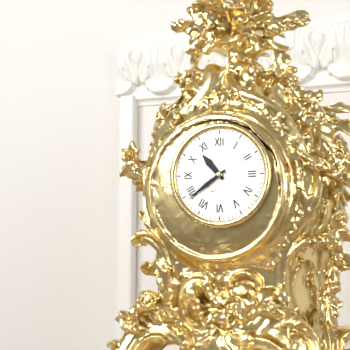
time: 10:39
